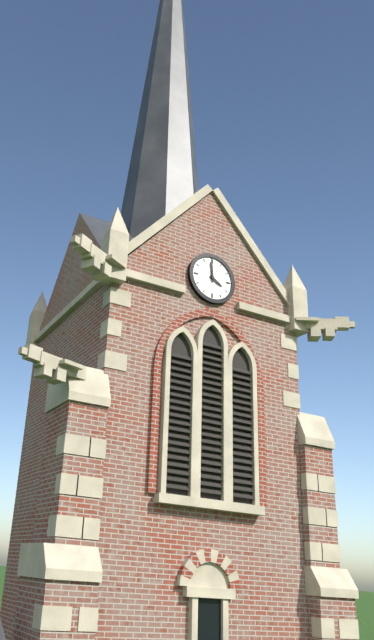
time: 3:59
